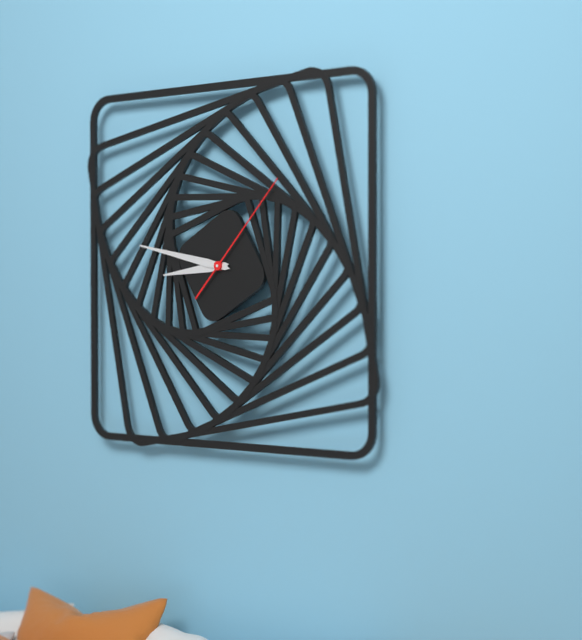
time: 8:47:07
